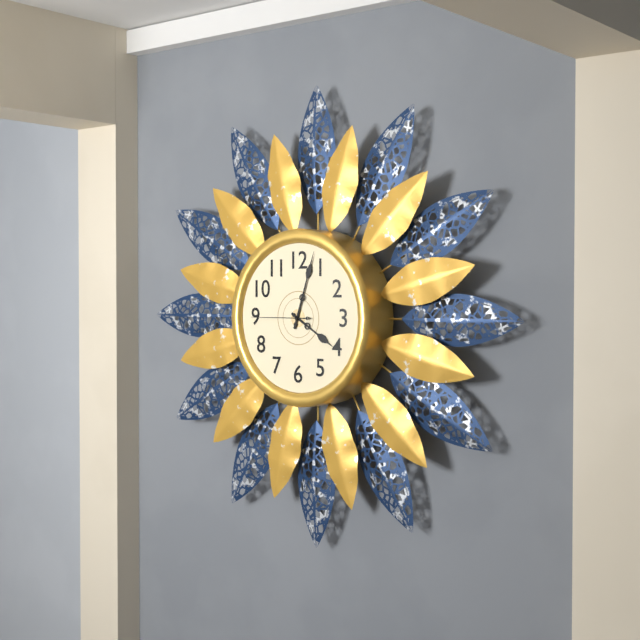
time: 4:03:45
